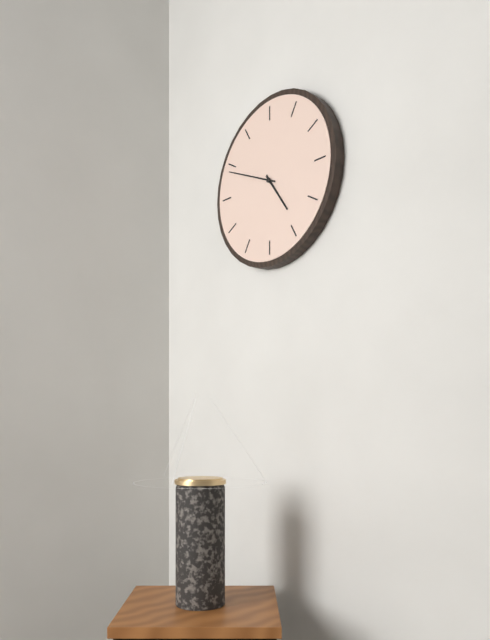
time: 4:49
